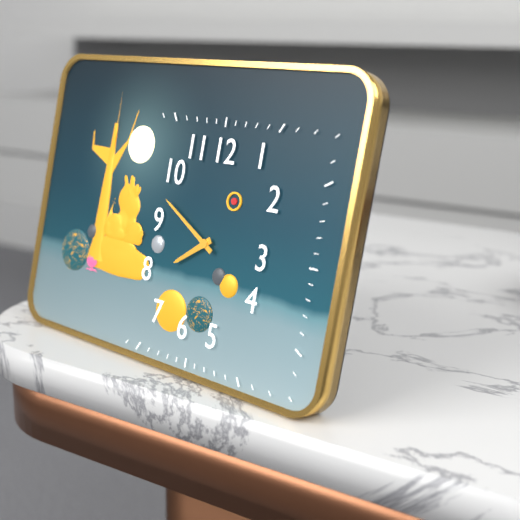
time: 7:50
